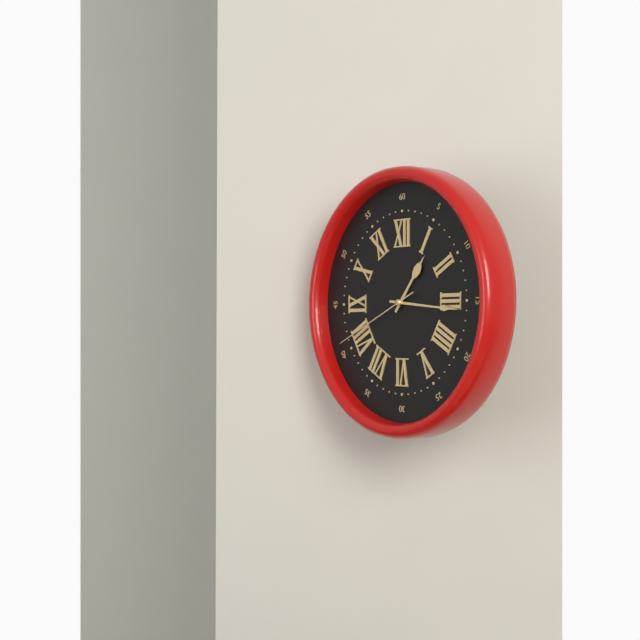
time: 1:16:41
